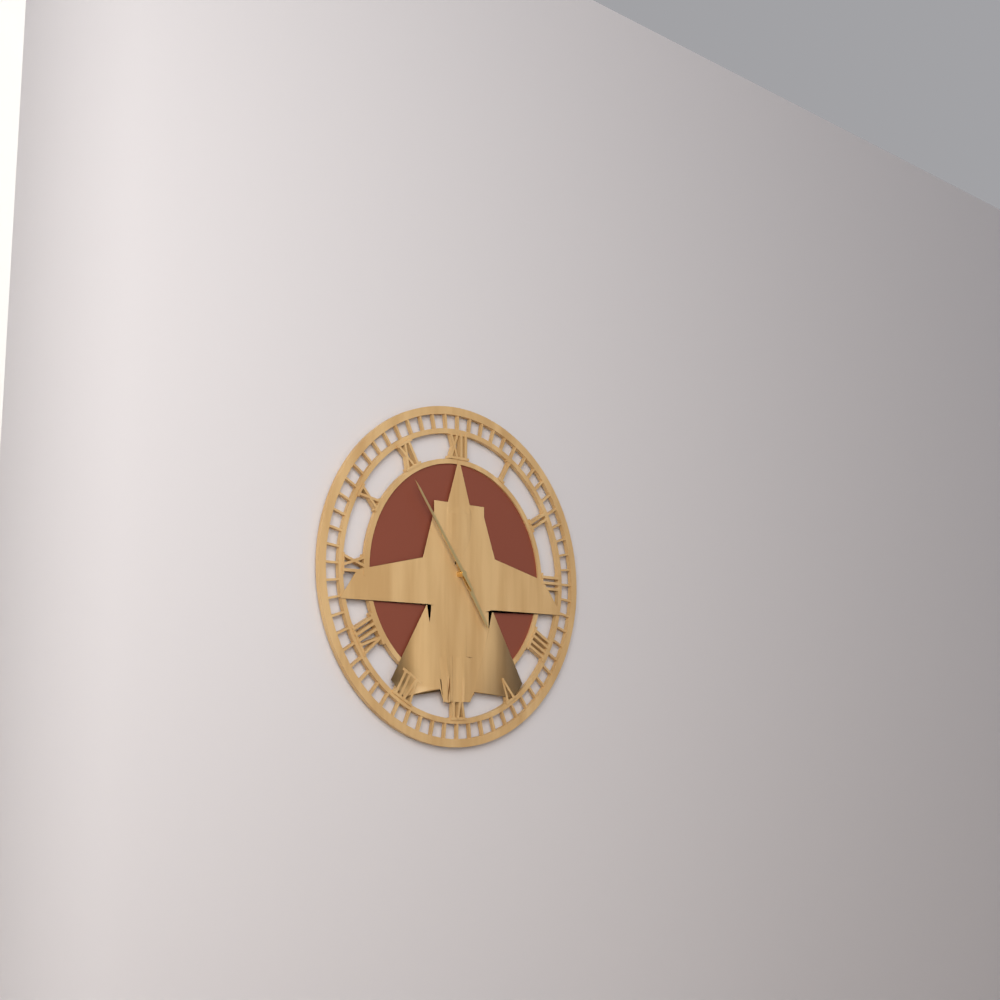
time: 4:54
